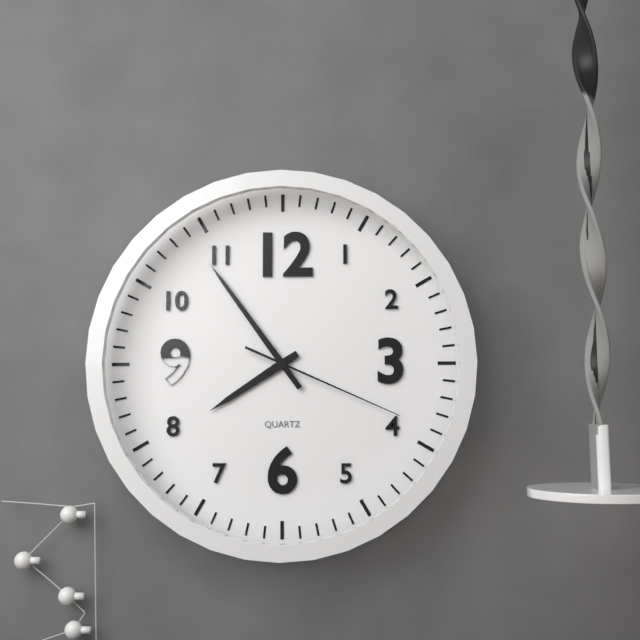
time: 7:54:19
